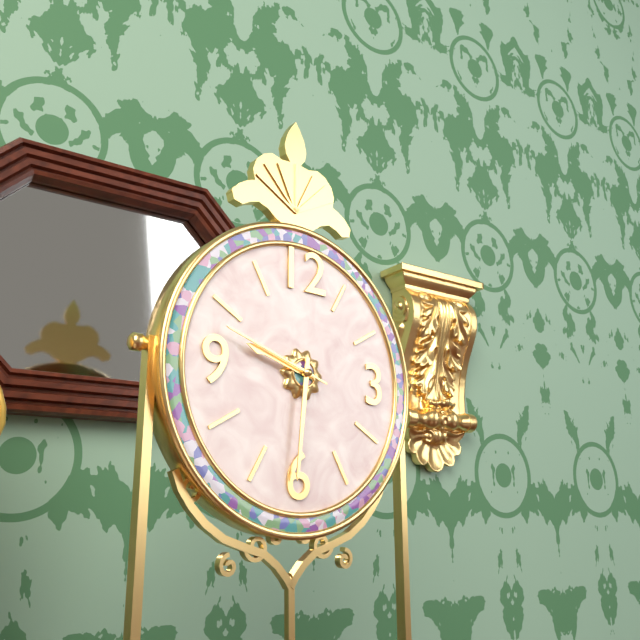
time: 9:31:48
